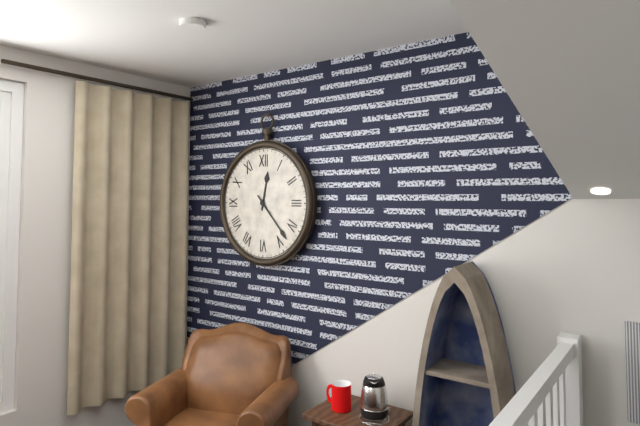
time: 12:23
